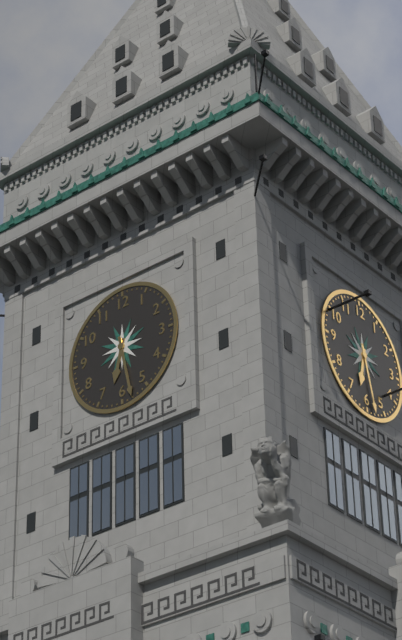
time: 6:28
